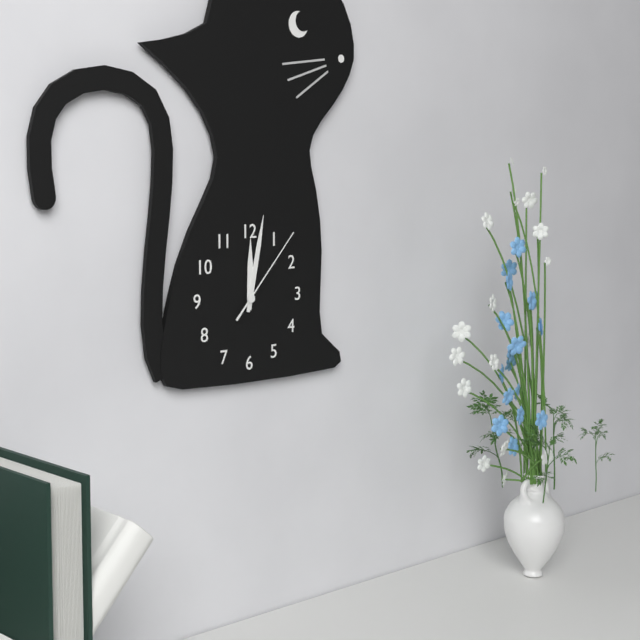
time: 12:02:07
